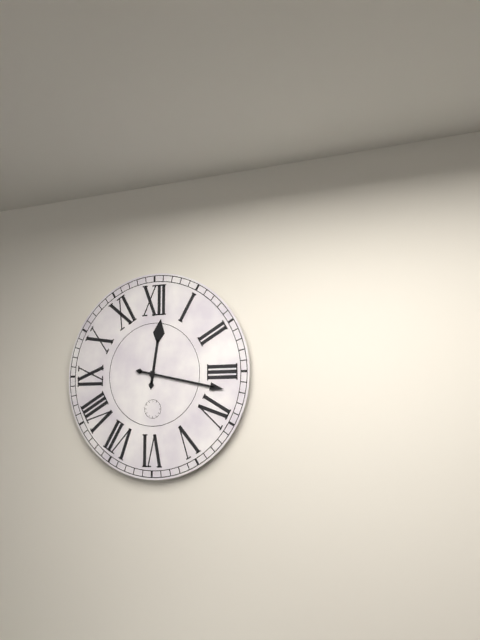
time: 12:17
